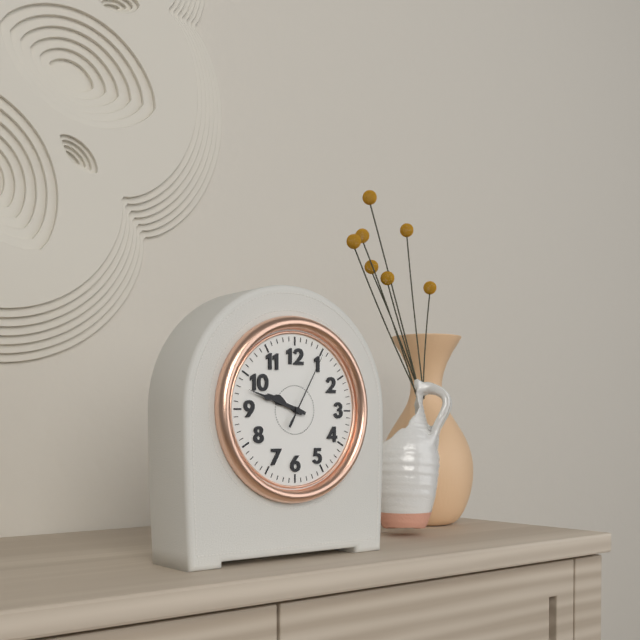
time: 9:48:05
